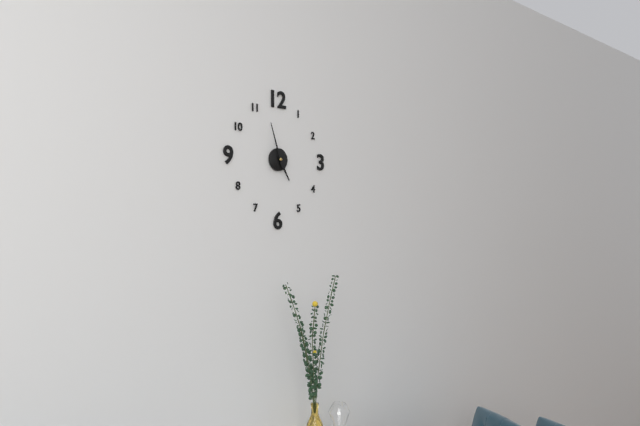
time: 4:57
